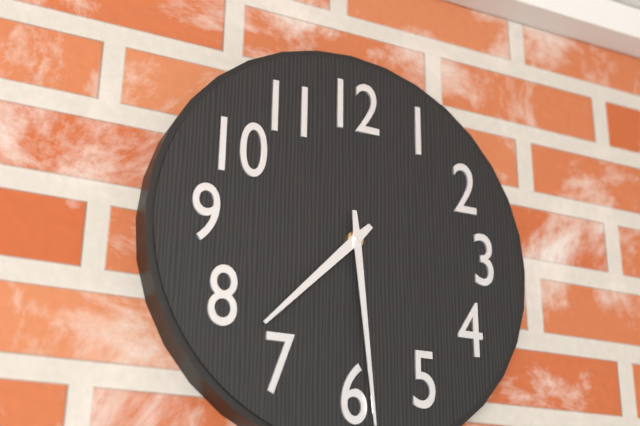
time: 7:29
